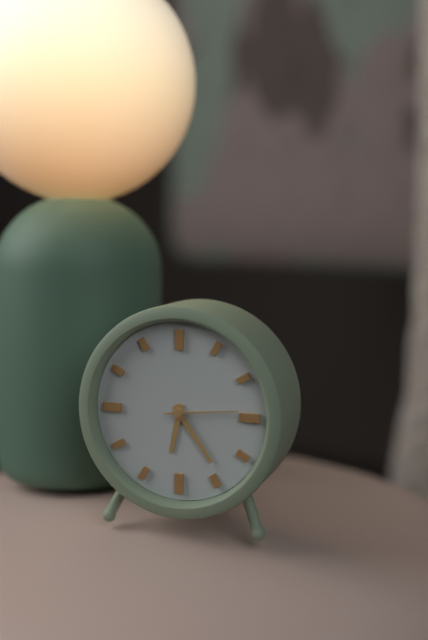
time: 6:24:14
